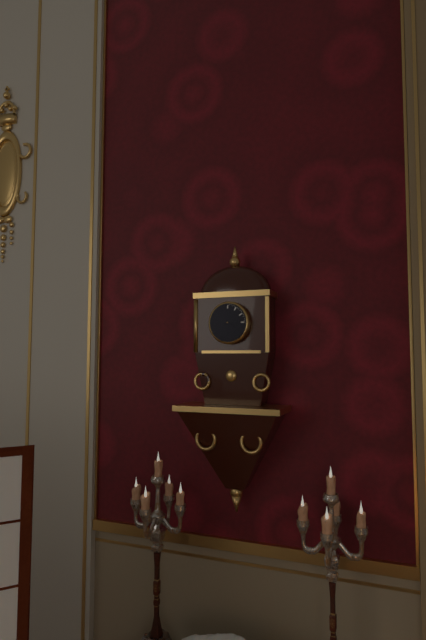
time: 4:14
